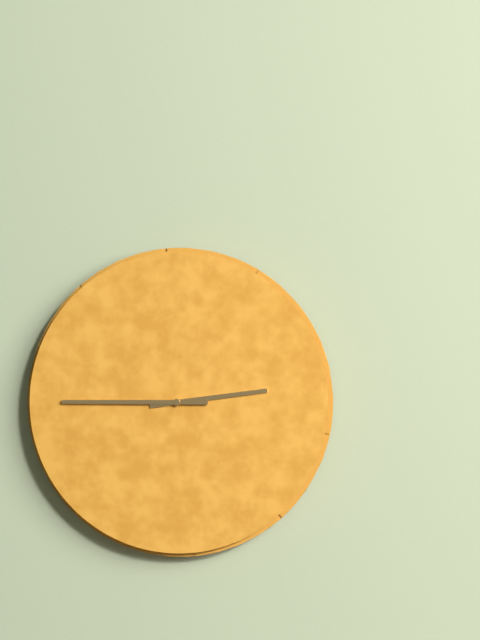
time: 2:45
